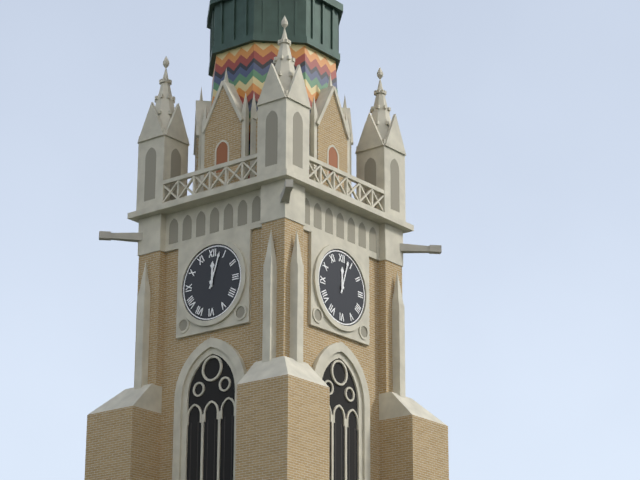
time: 12:03
